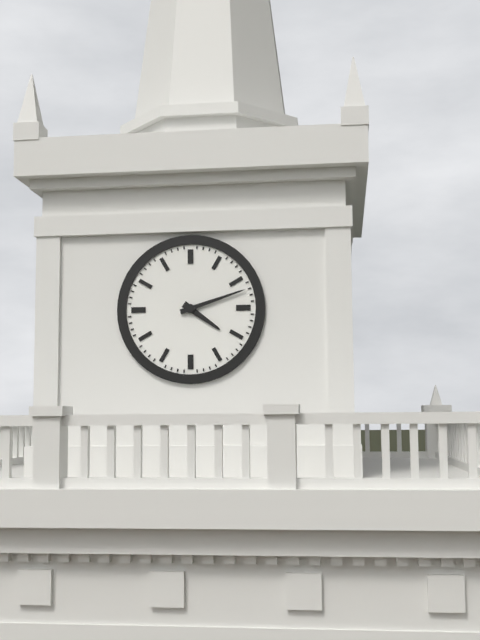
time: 4:12
